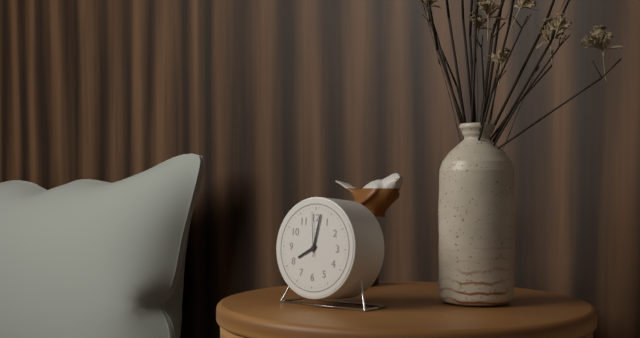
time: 8:02
